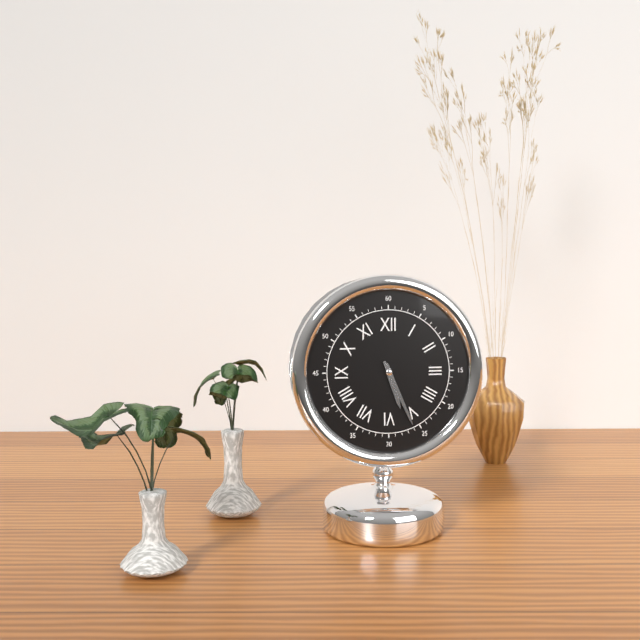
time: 5:26
